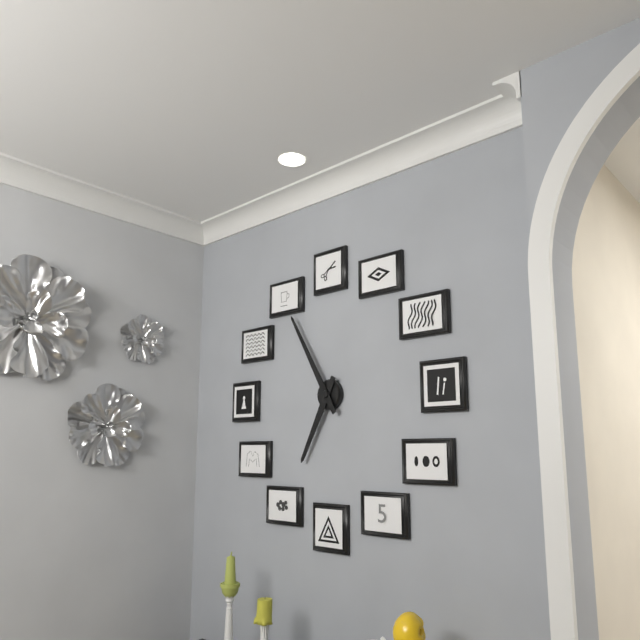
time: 6:55
